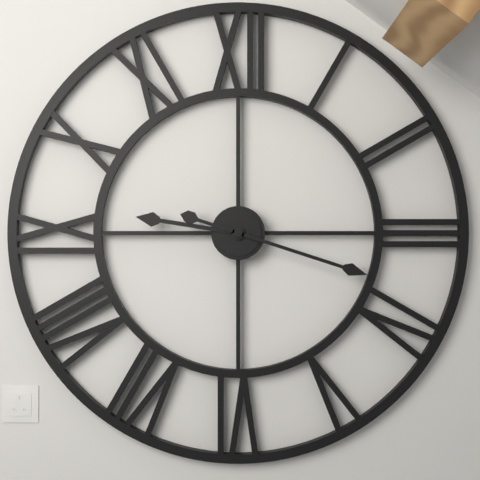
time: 9:18
